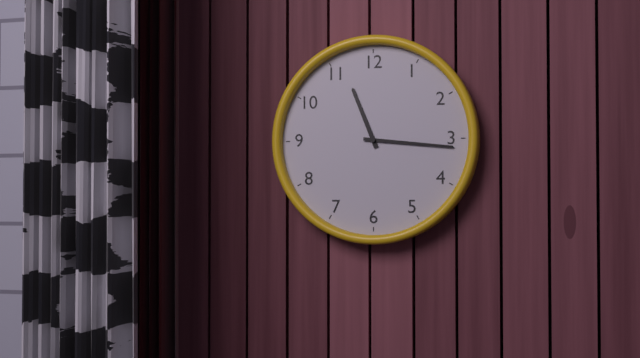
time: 11:16
